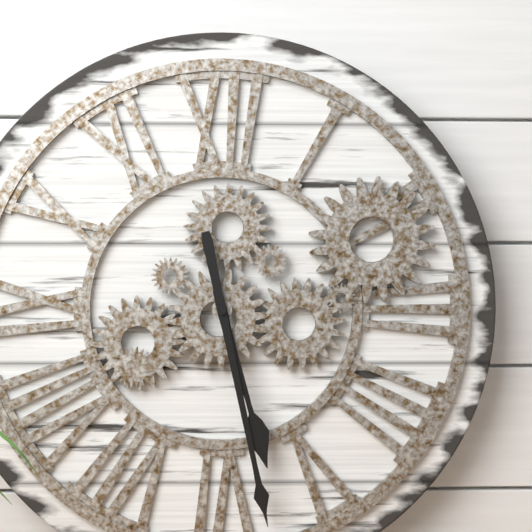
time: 5:28
